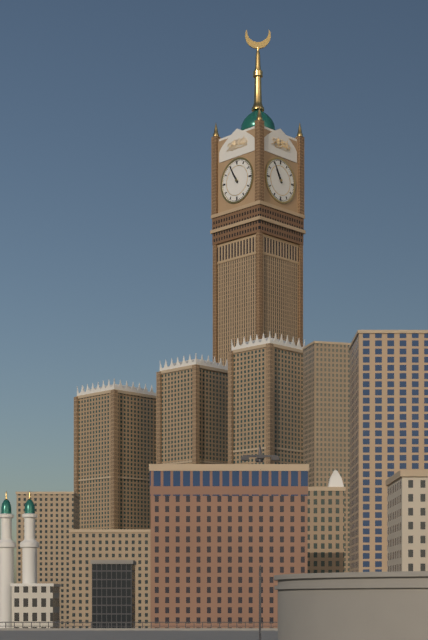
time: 10:55
